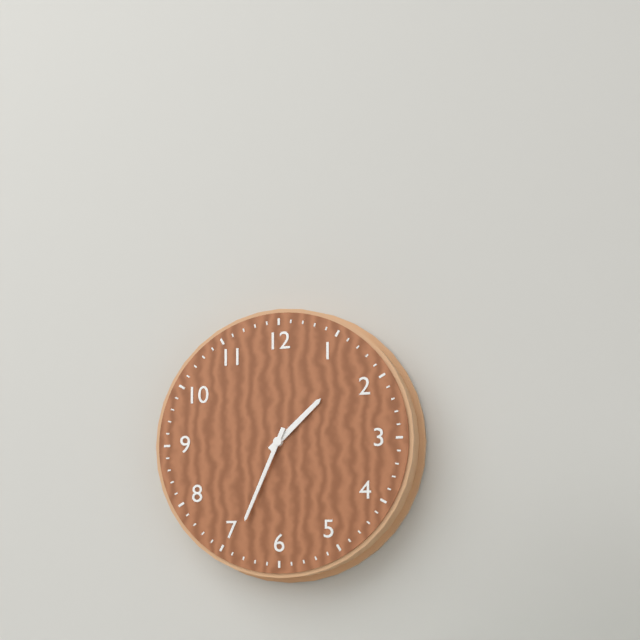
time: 1:34
